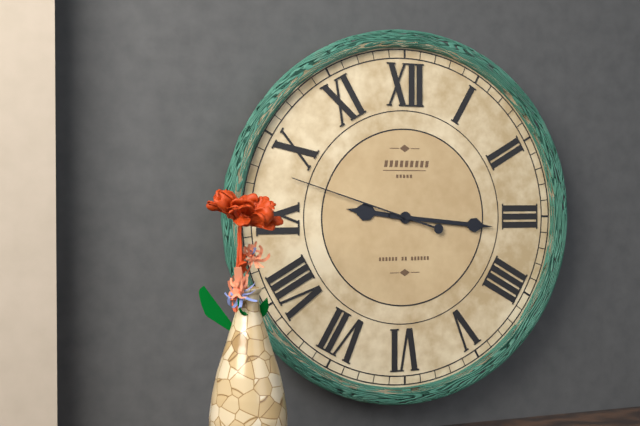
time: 9:16:48
